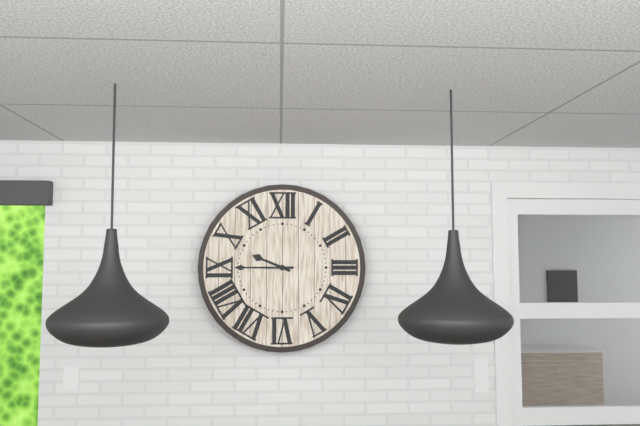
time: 9:45
